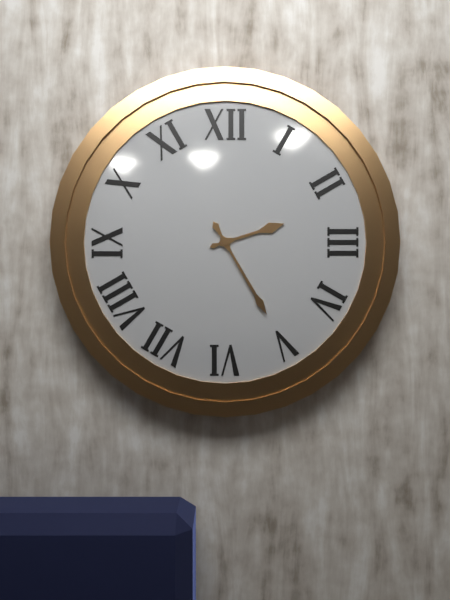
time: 2:25
